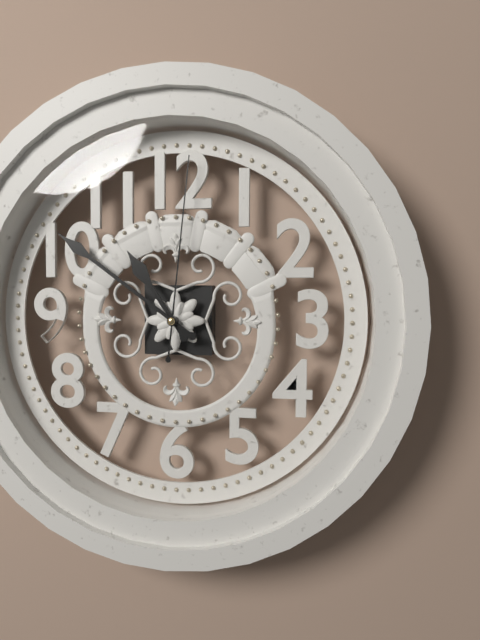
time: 10:51:01
